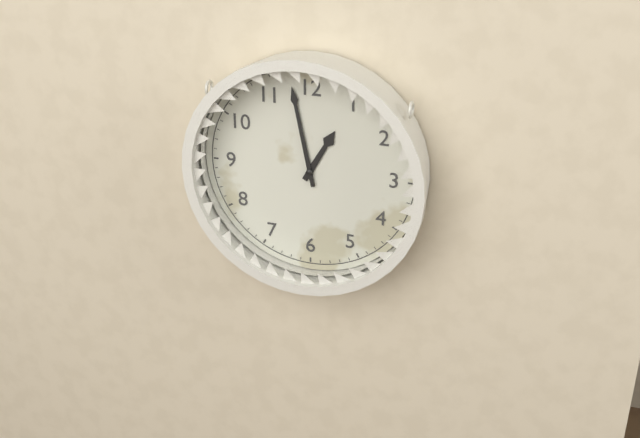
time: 12:58
